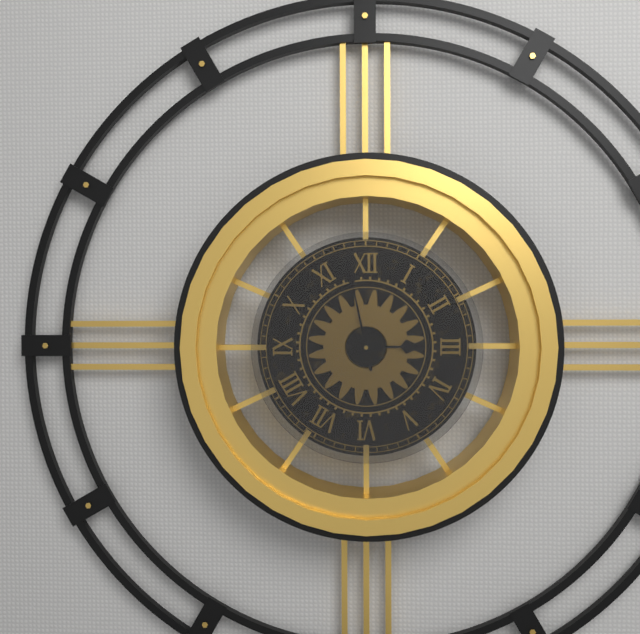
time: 2:58
